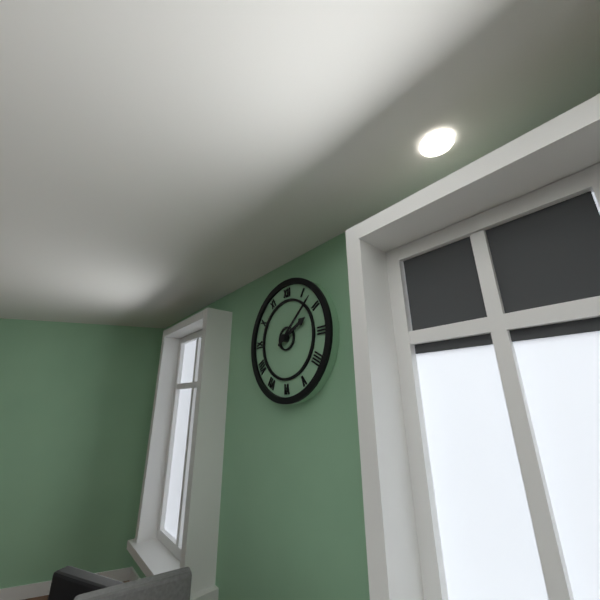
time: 2:08
